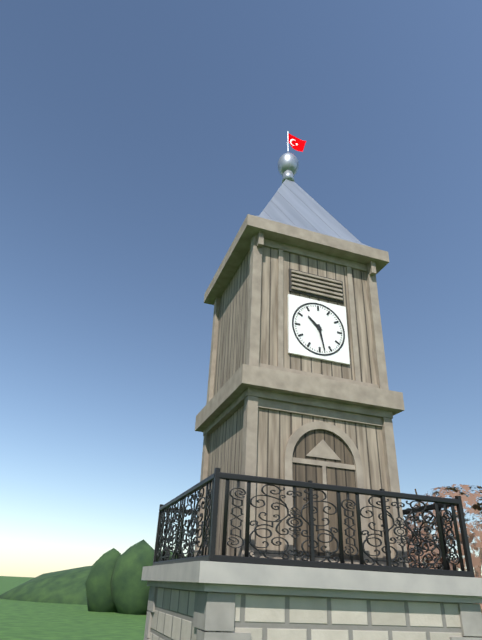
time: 10:28
